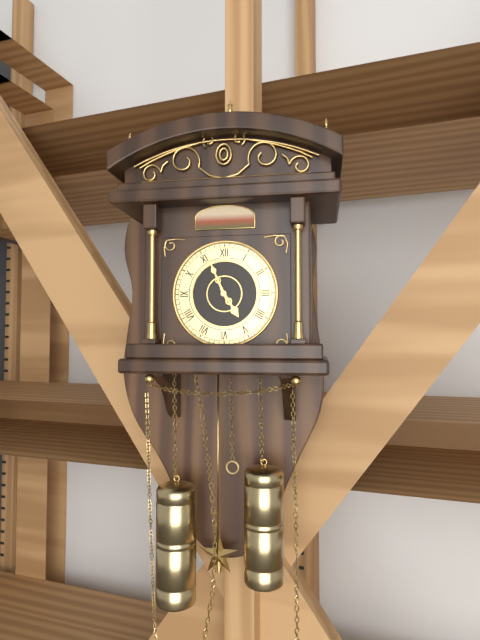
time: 4:56
